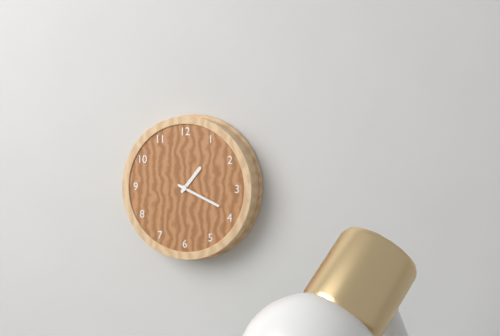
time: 1:19
